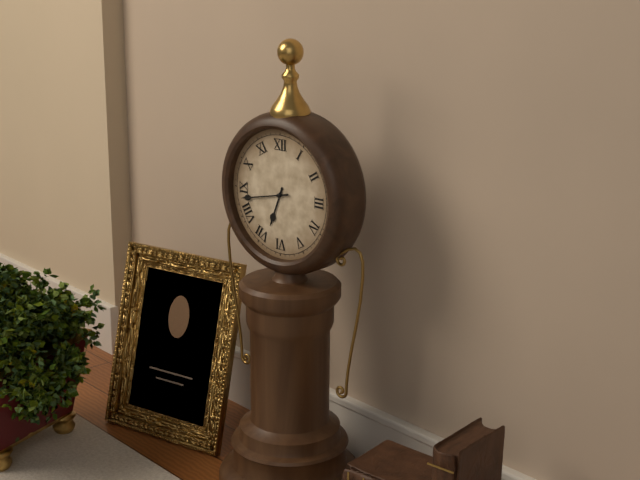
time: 6:43
